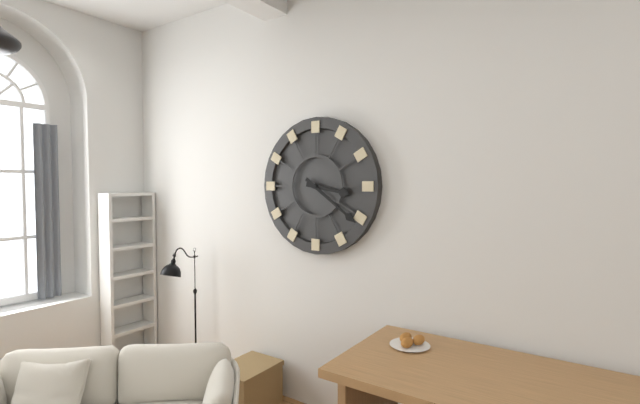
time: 3:21
